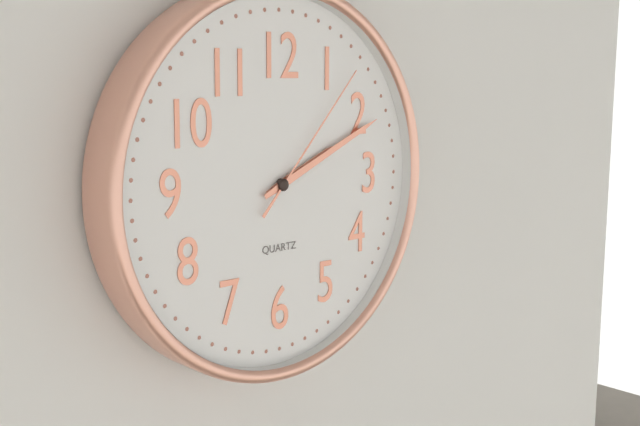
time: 2:11:07
